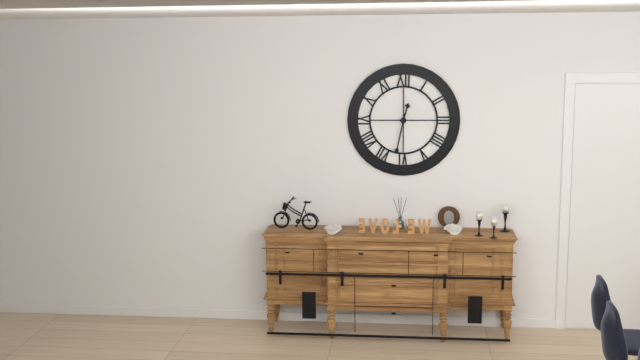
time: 12:32
